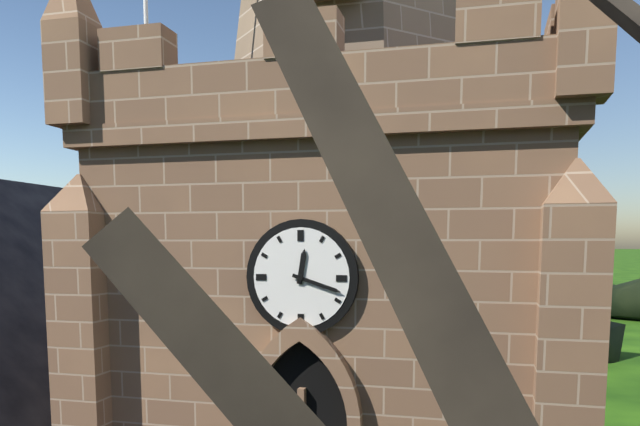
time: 12:18
